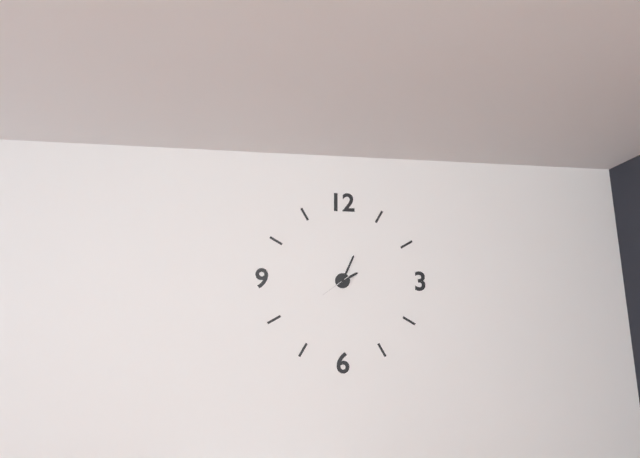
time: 2:04
